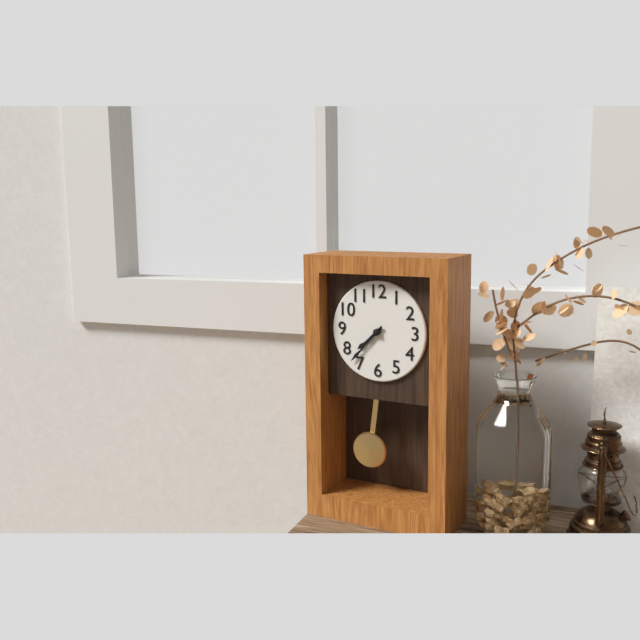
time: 7:37
